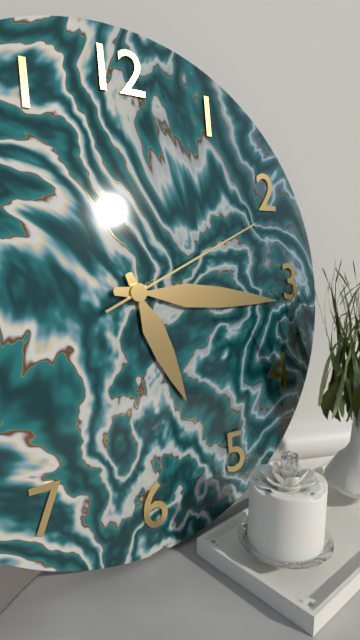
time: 5:16:11
